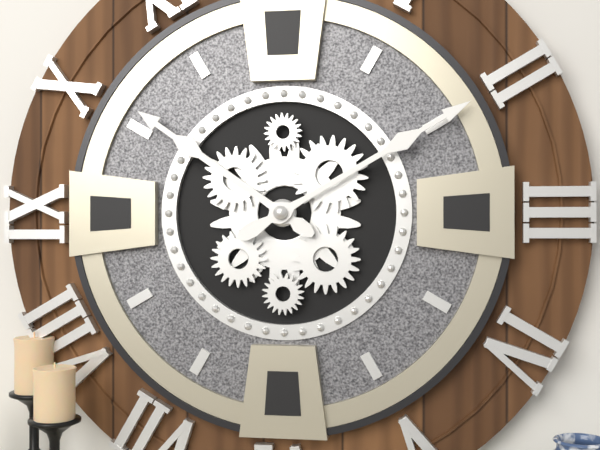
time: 10:10
